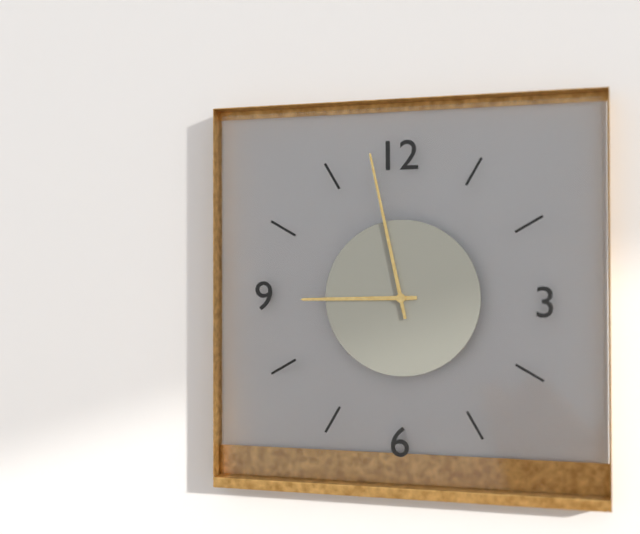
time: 8:58
